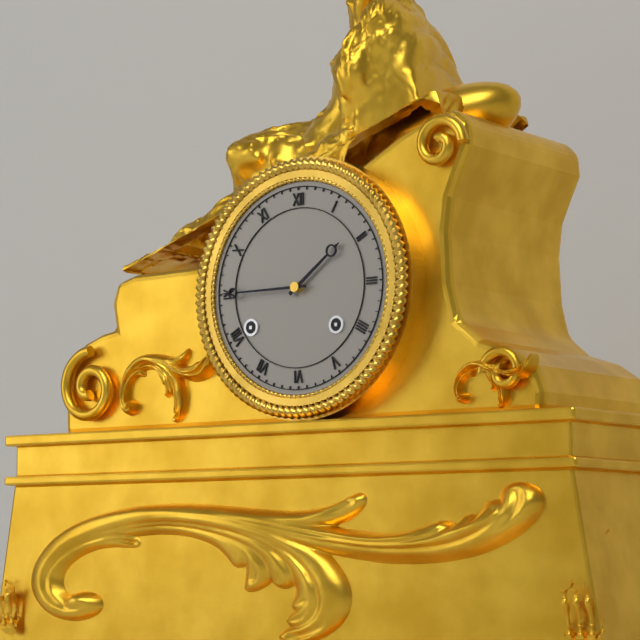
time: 1:45
